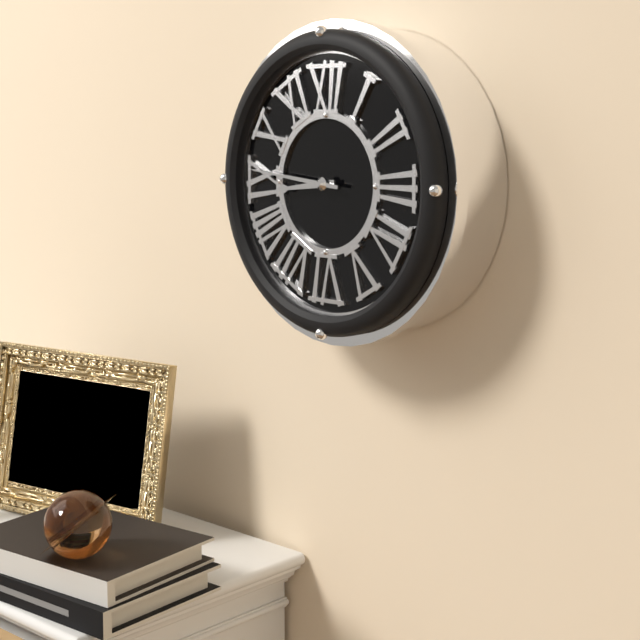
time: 8:46
